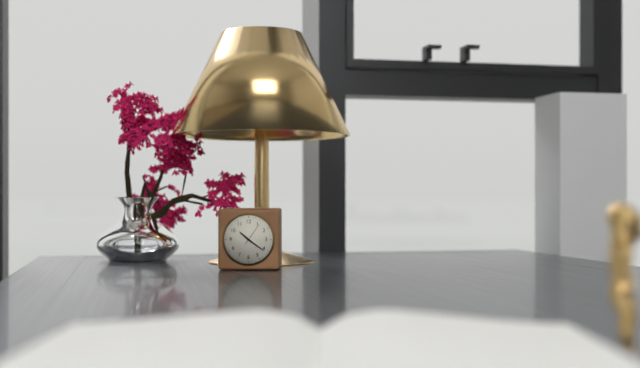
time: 10:21
